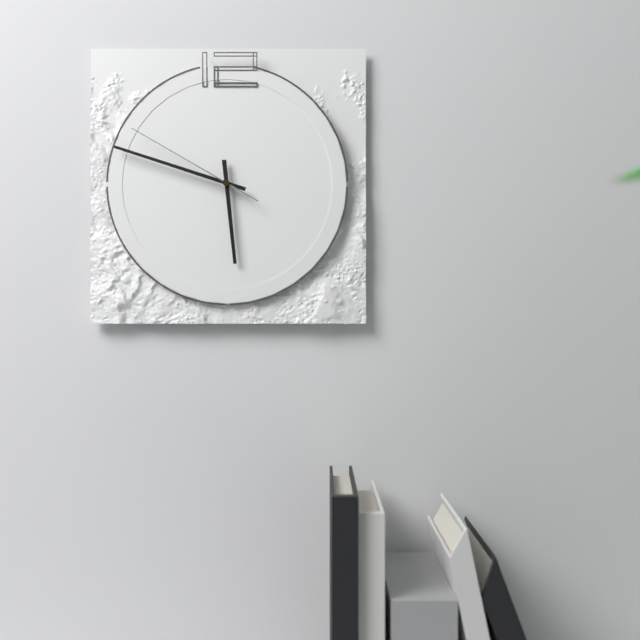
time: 5:48:50
